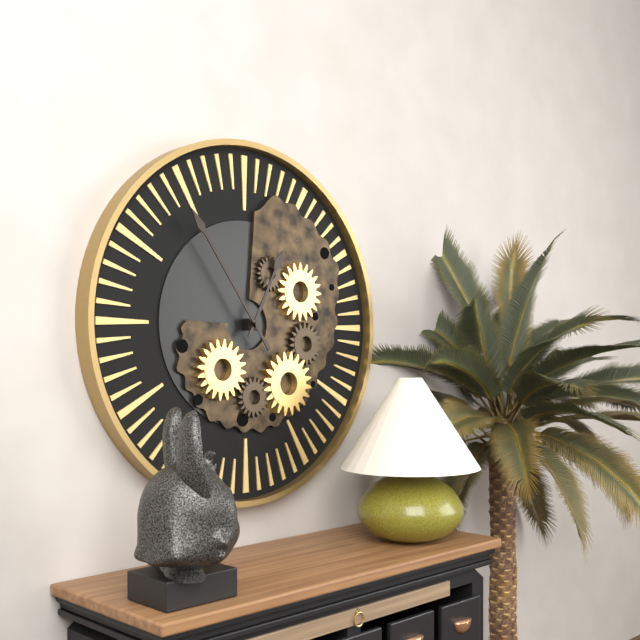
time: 12:54
